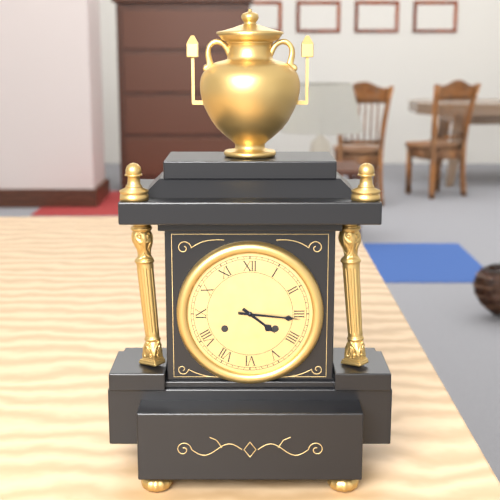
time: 4:16
